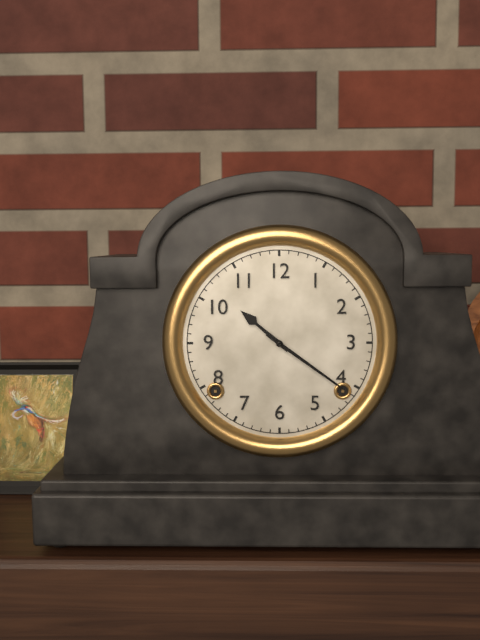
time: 10:21
